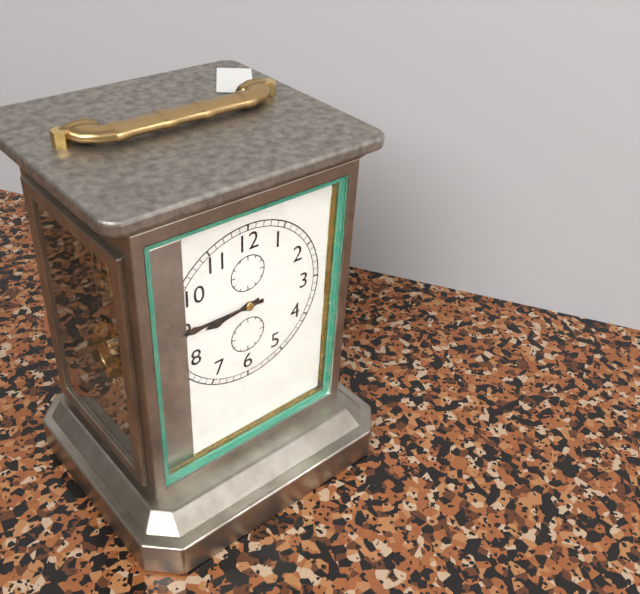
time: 8:45
